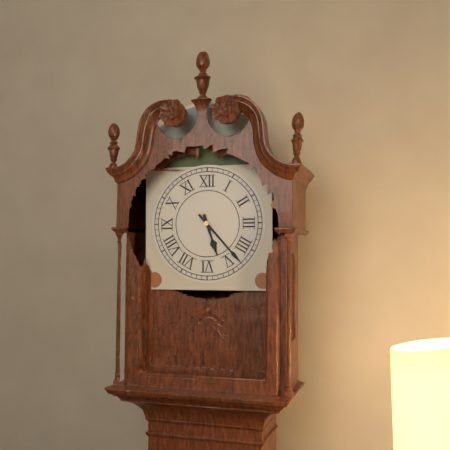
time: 5:23
